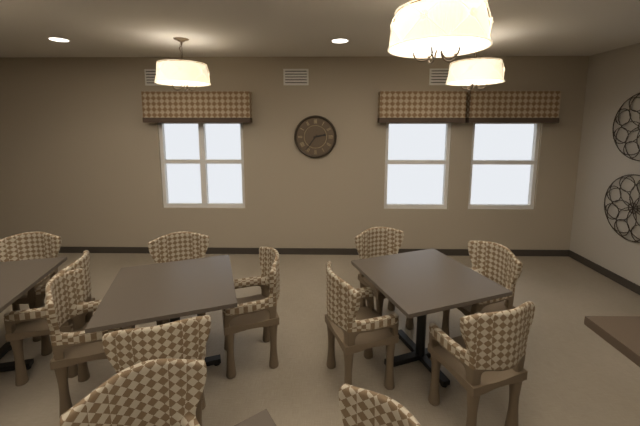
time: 2:36
